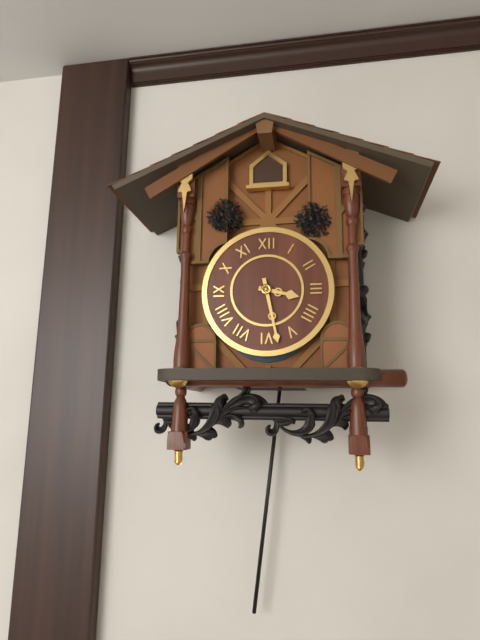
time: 3:28
